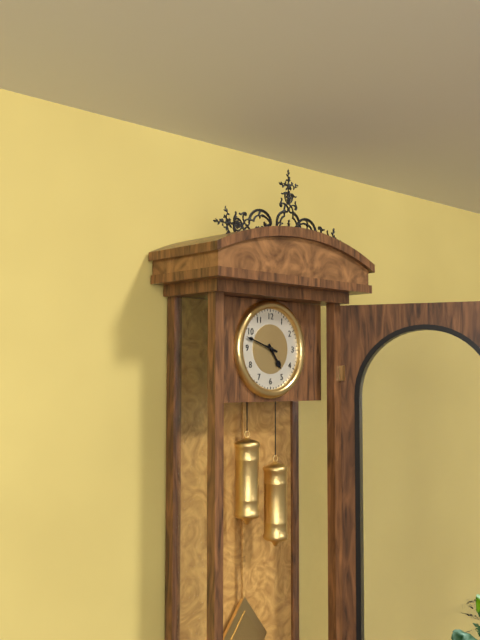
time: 4:48
